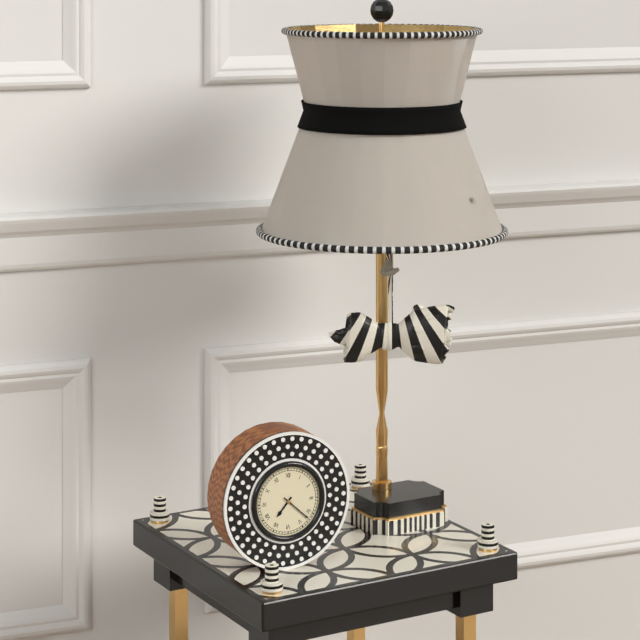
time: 7:22
